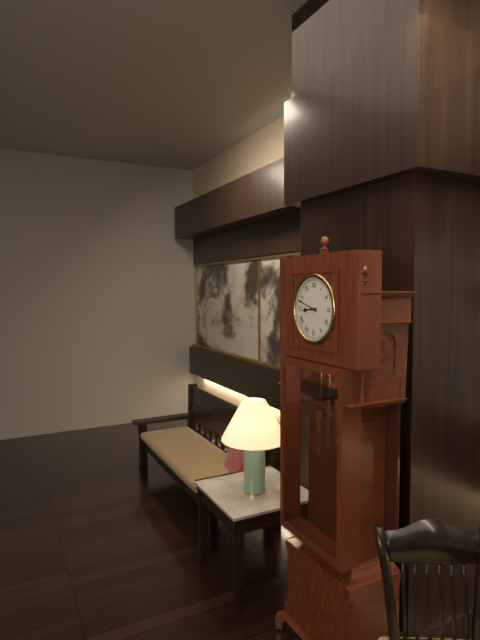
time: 8:48
